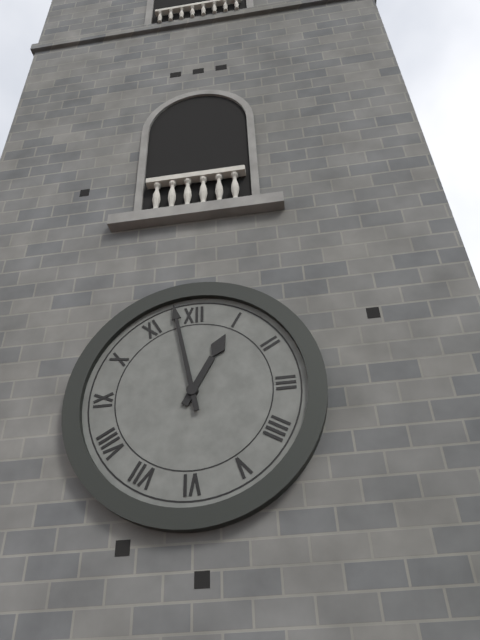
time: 12:58
